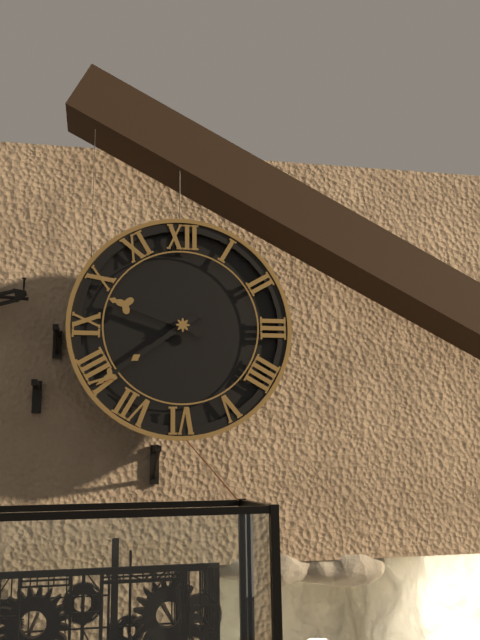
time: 9:39
